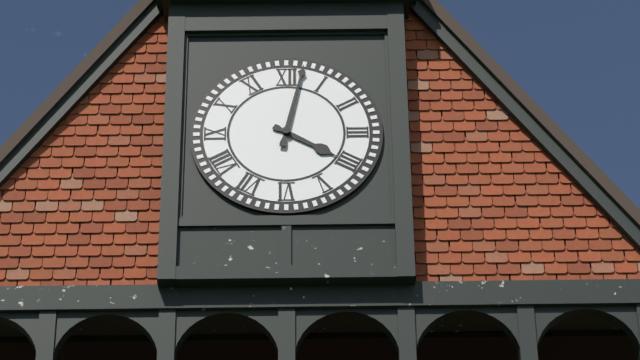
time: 4:02
